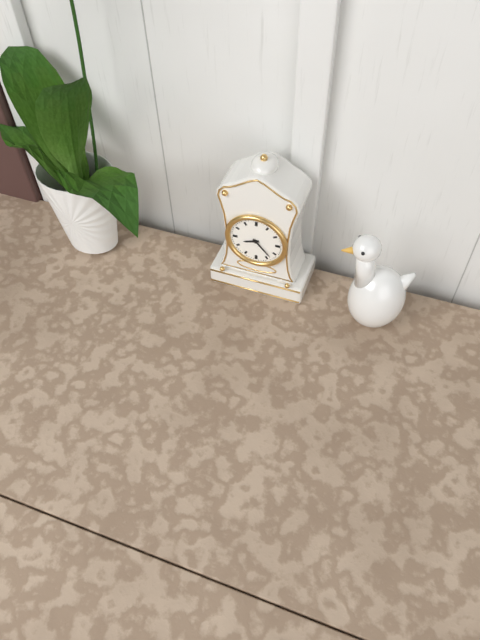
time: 8:23
